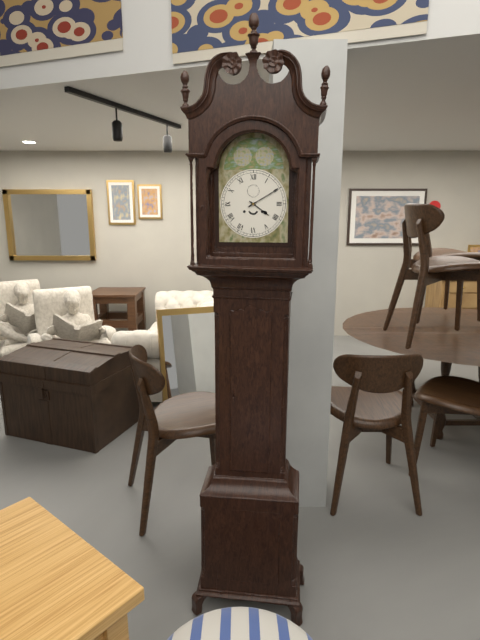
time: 4:10
